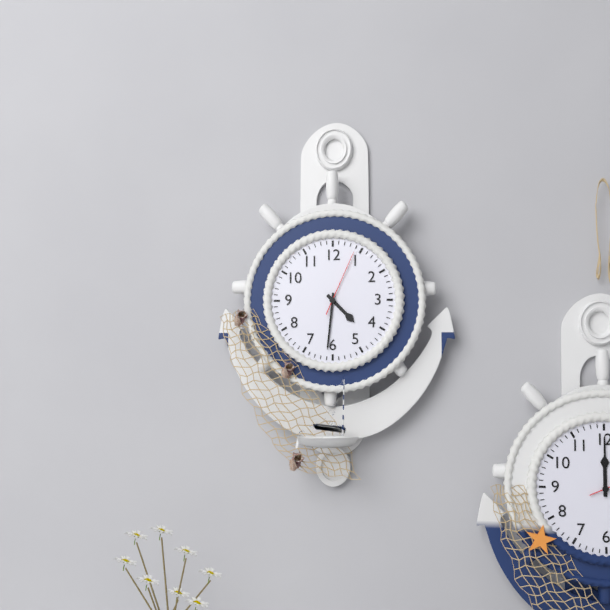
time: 4:31:04
